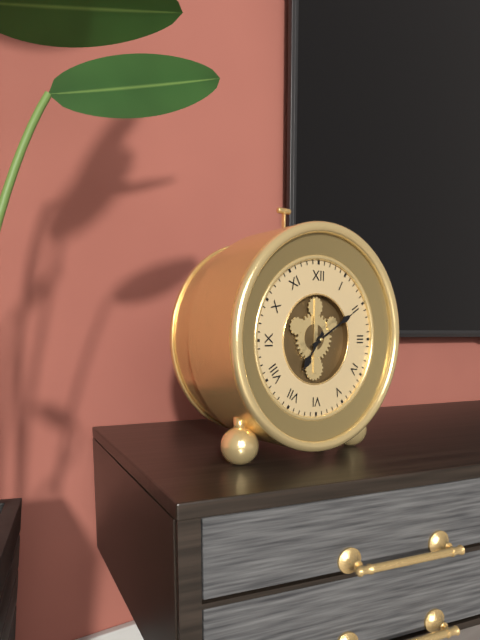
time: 7:10
